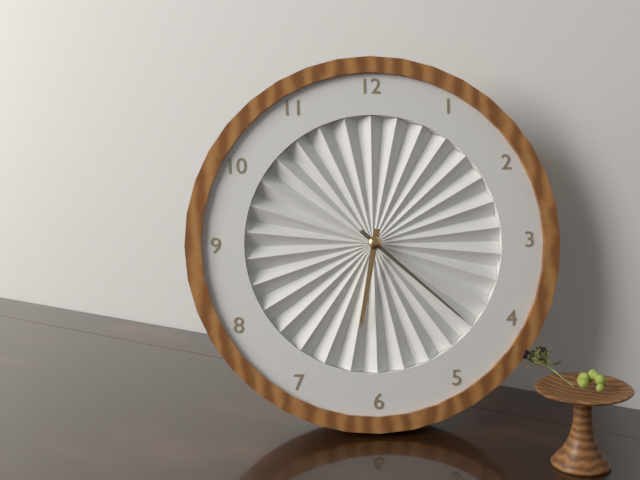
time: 6:22
